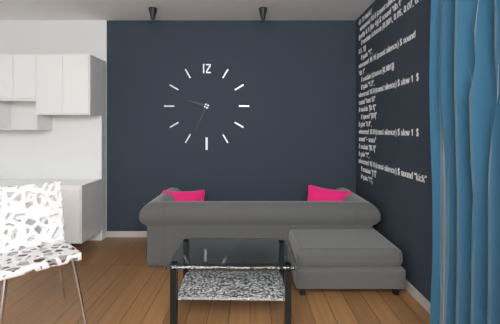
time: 9:34
